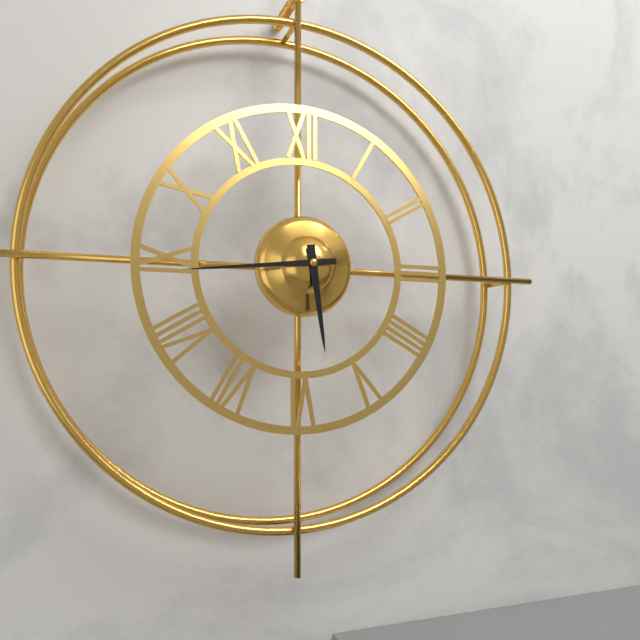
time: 5:44
